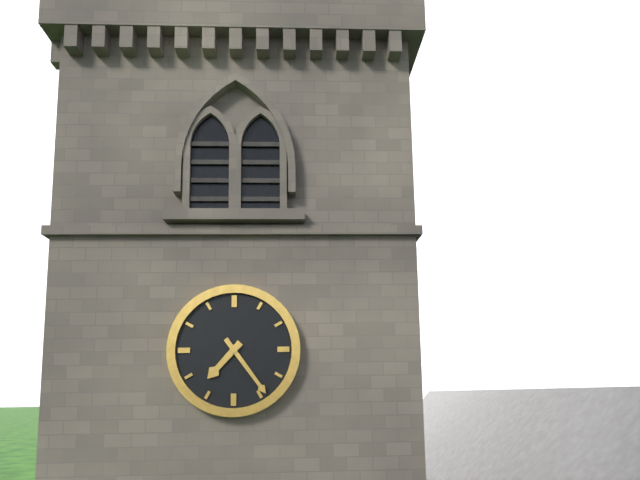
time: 7:24
